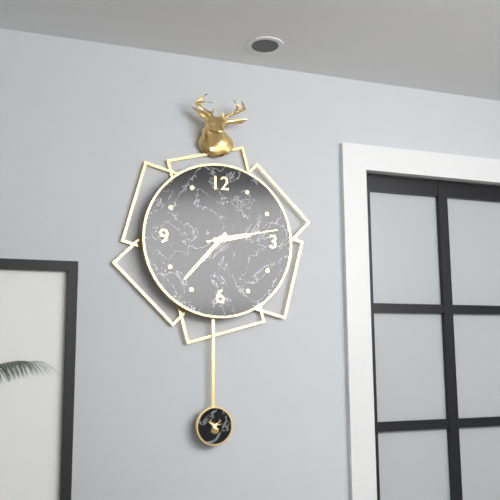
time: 2:37:13
